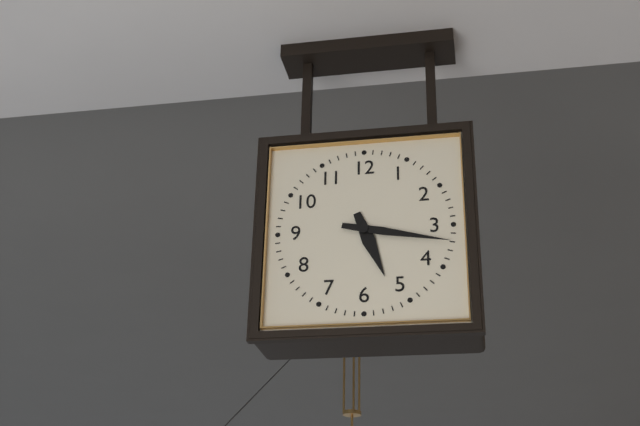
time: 5:17
